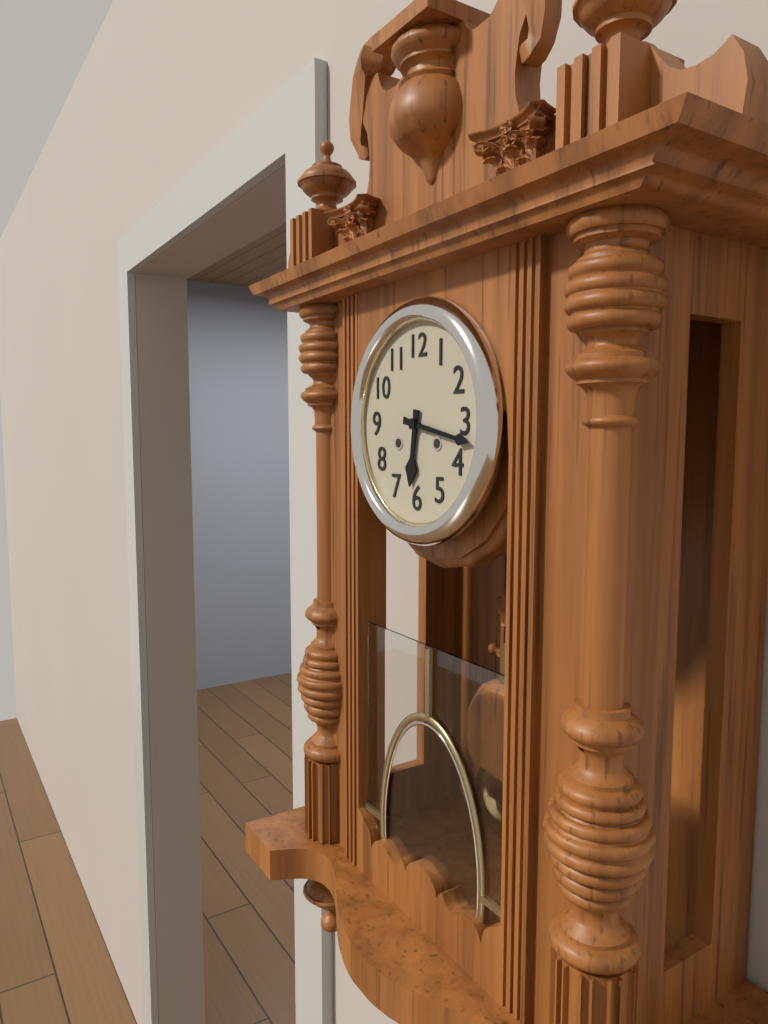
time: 6:17
